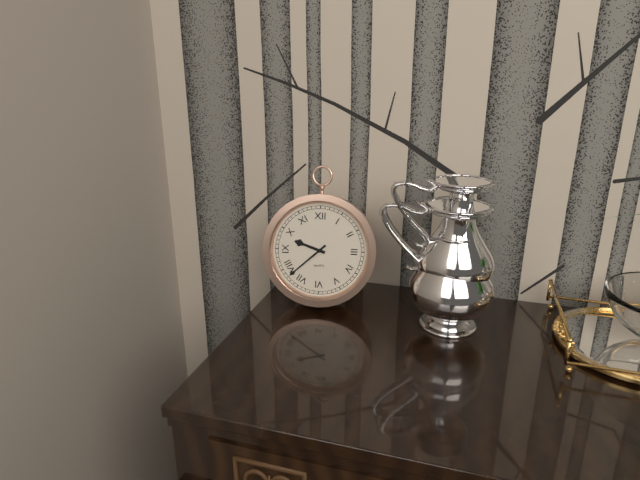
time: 9:38
